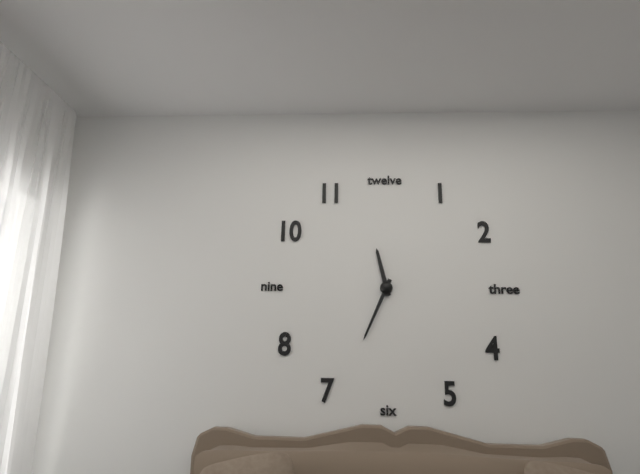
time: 11:34
